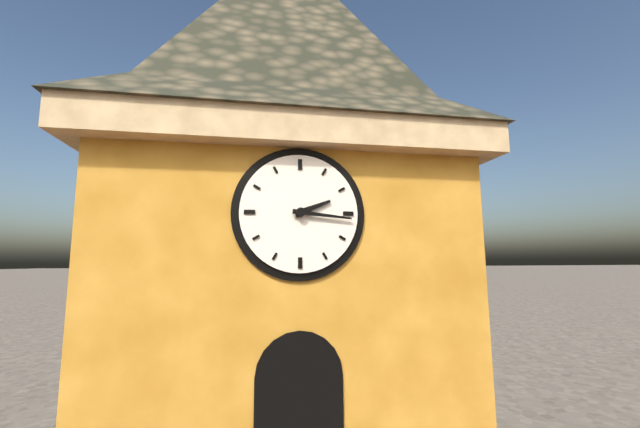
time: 2:16
